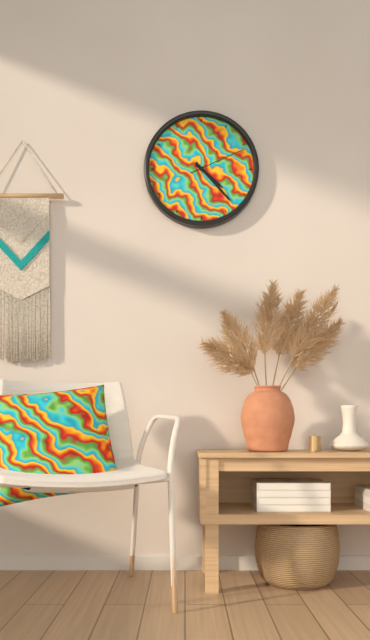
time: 4:23:11
